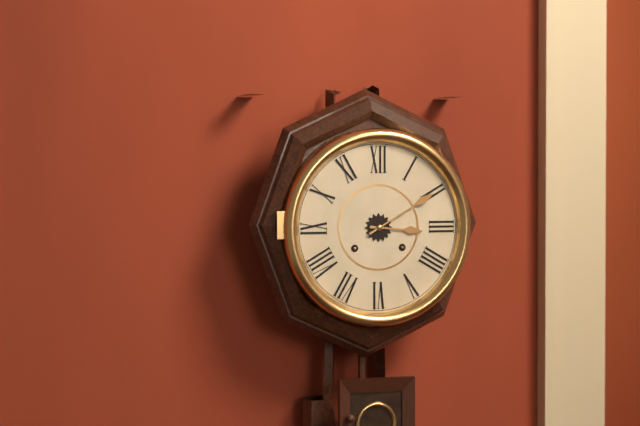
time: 3:10
